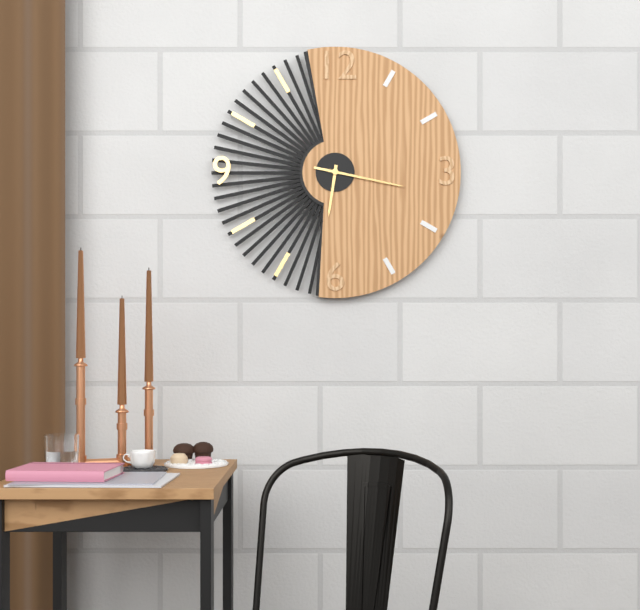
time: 6:17
